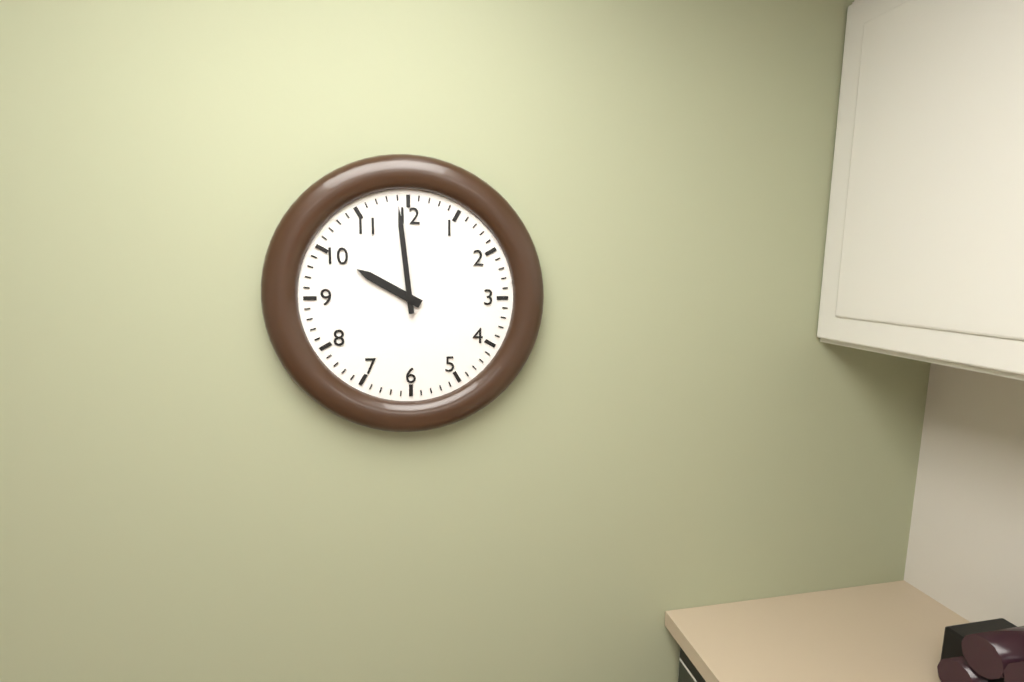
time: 9:59
